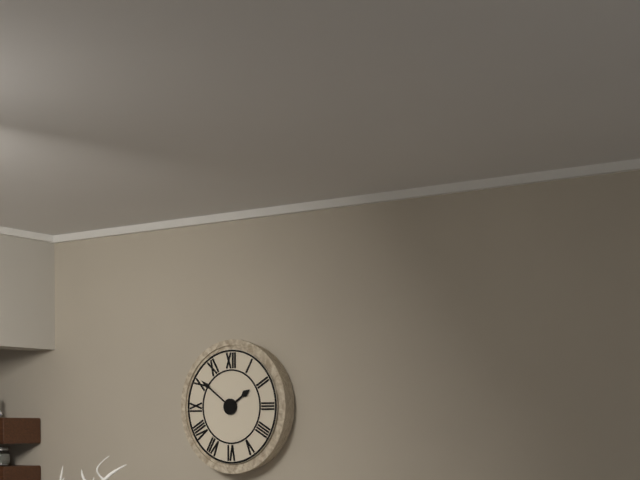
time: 1:51
